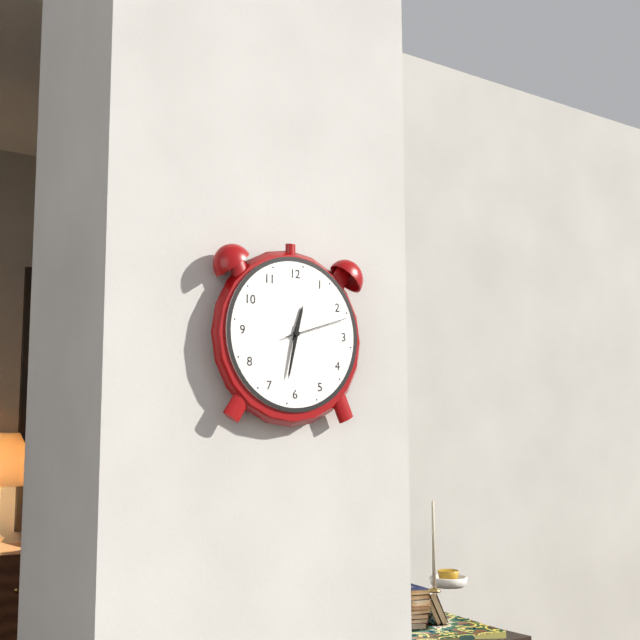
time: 12:32:12
